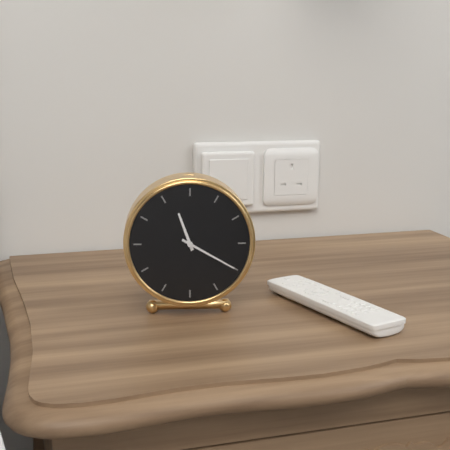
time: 11:20
